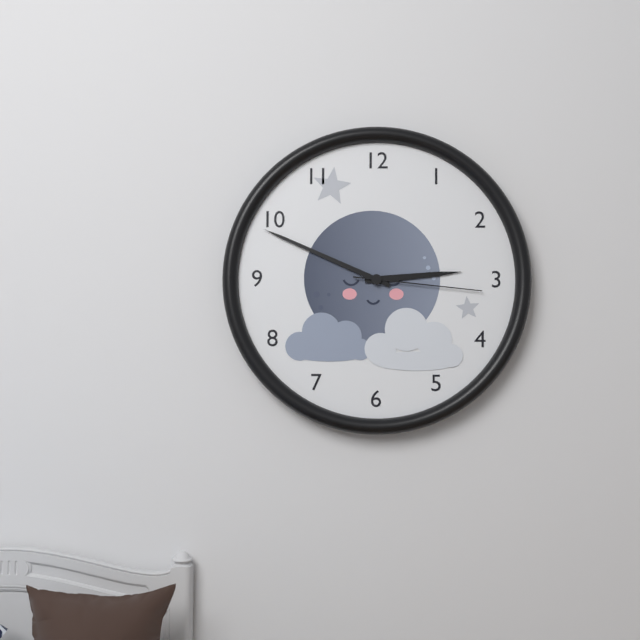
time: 2:49:16
